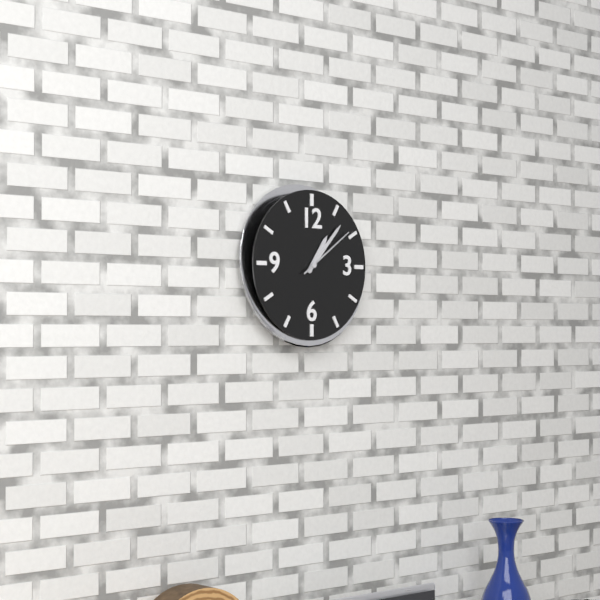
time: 1:07:09
